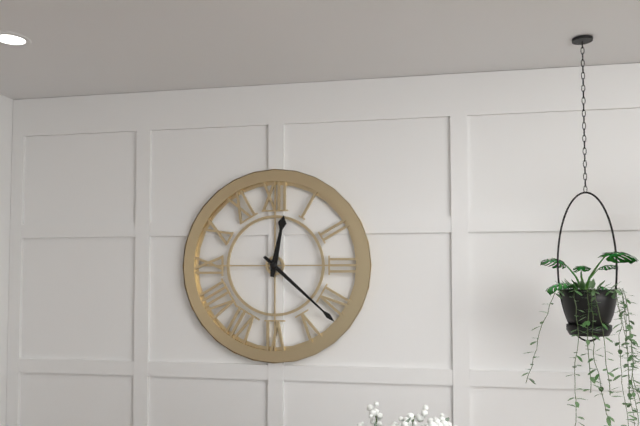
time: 12:22
